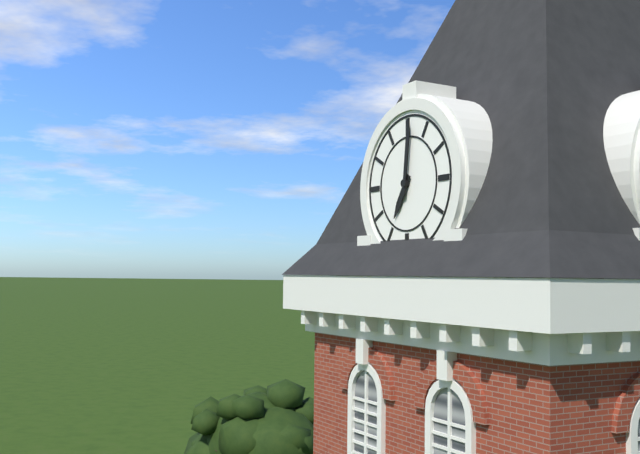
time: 7:01
